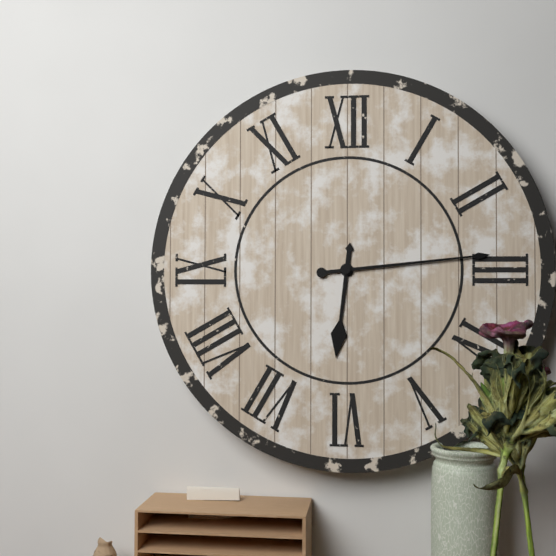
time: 6:14
